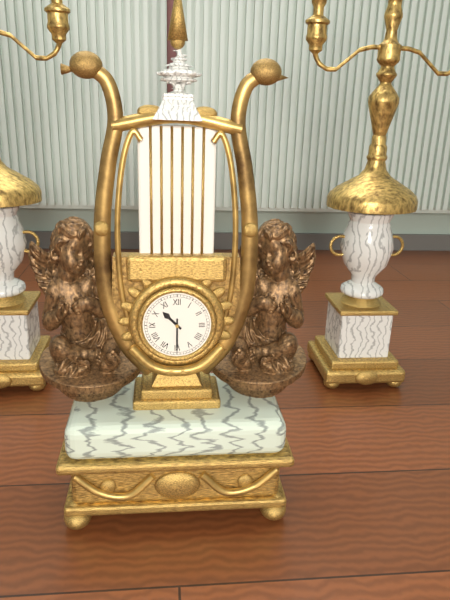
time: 10:30
